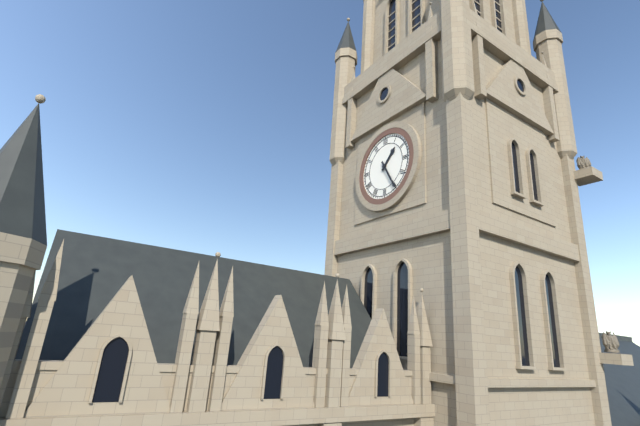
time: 1:25
